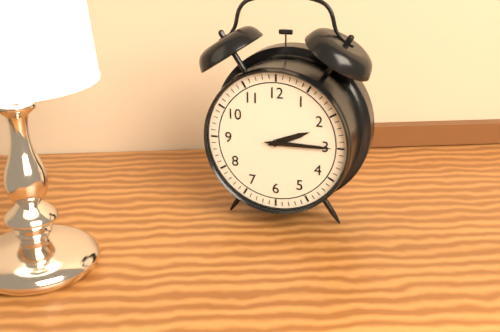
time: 2:15
